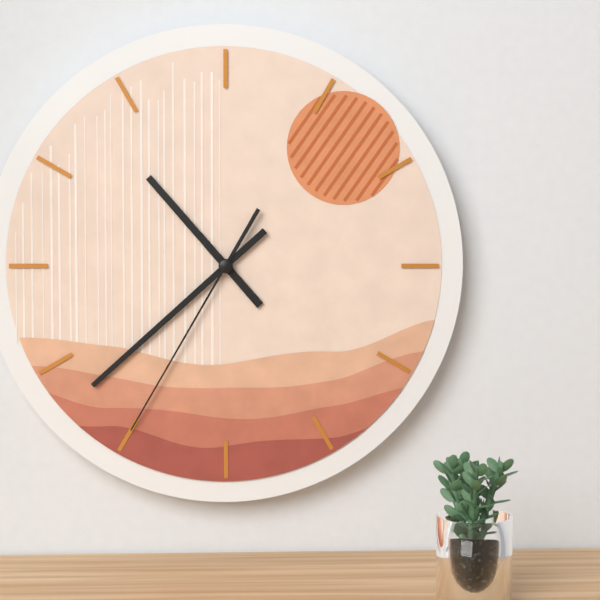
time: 10:38:35
